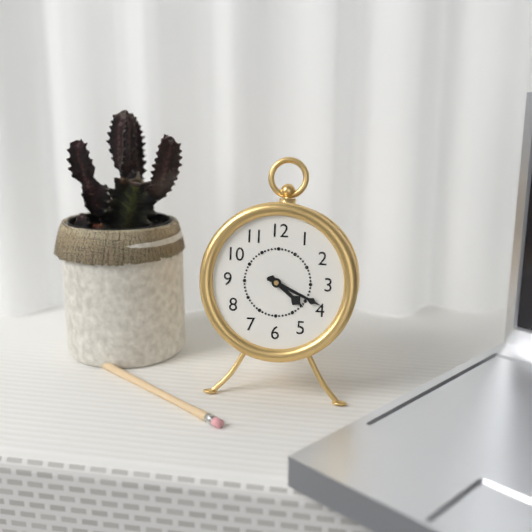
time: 4:19
